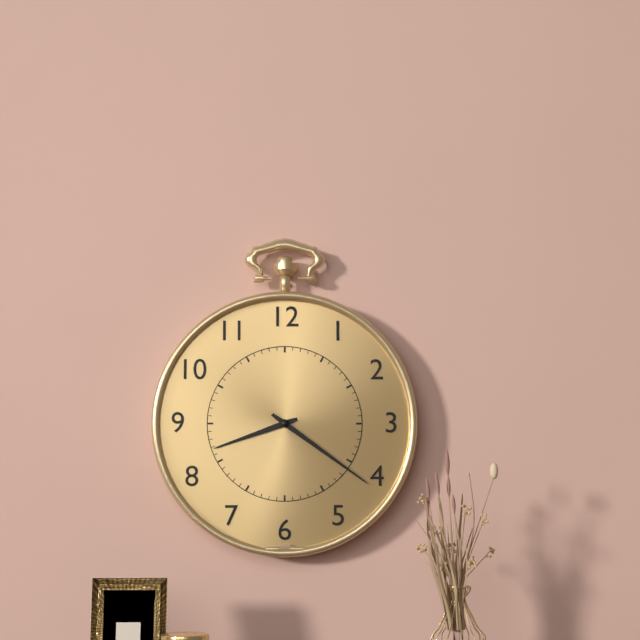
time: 8:21
